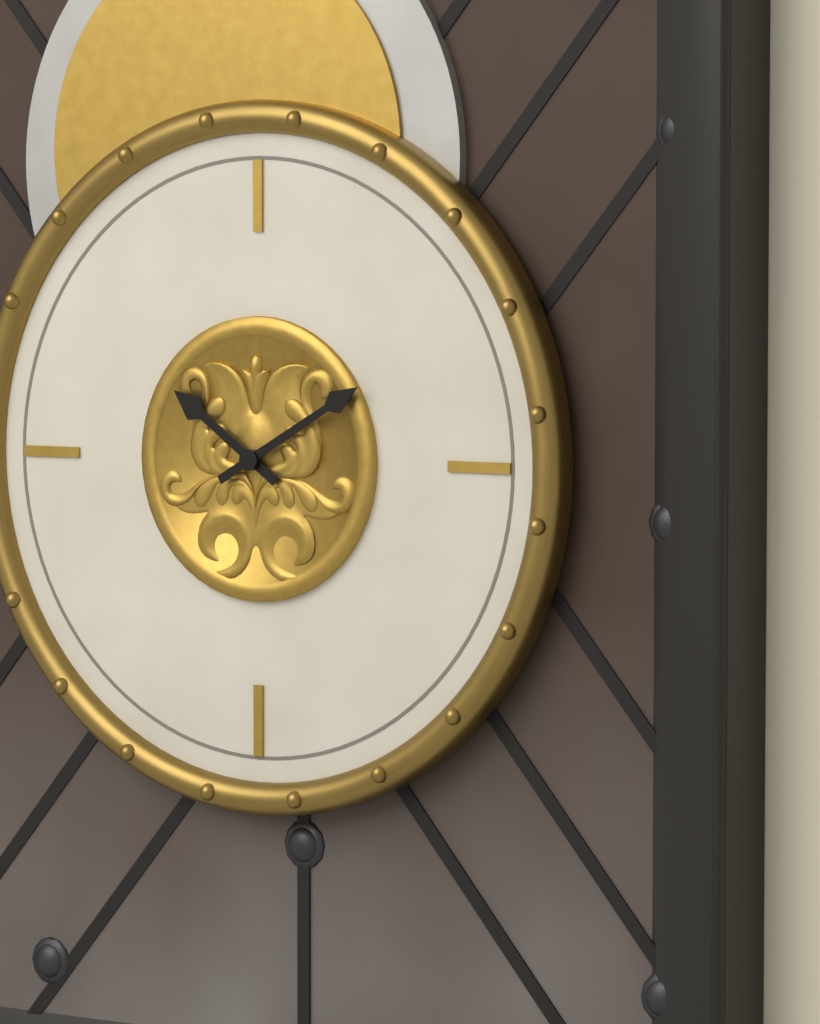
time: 10:10
